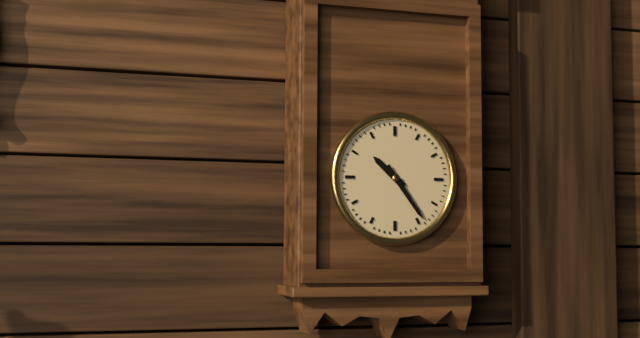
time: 10:24
